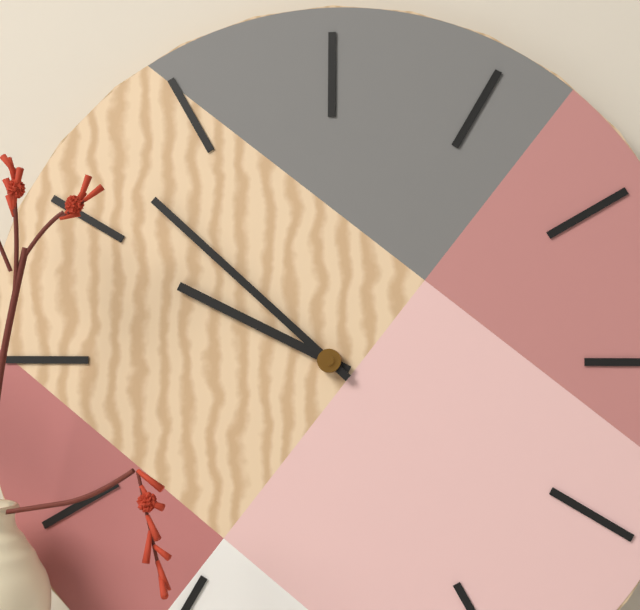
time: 9:52
